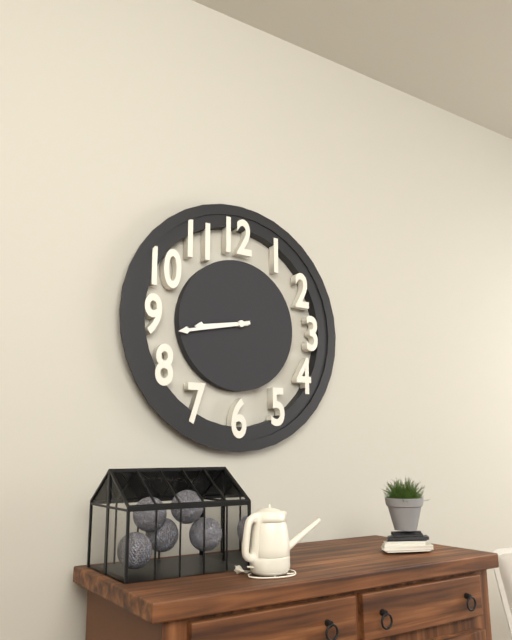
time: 8:43
